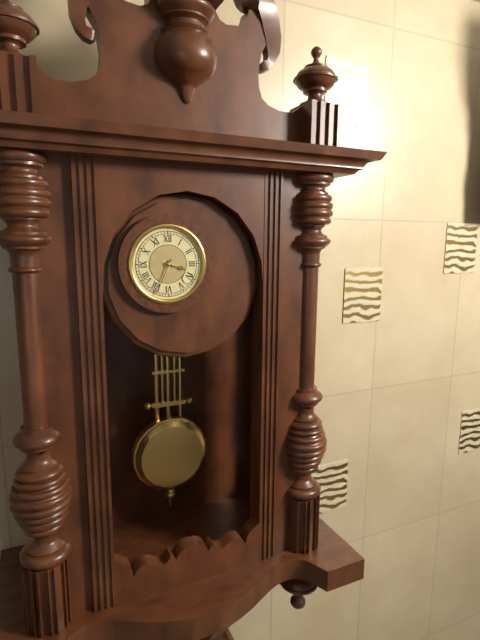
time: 3:34
